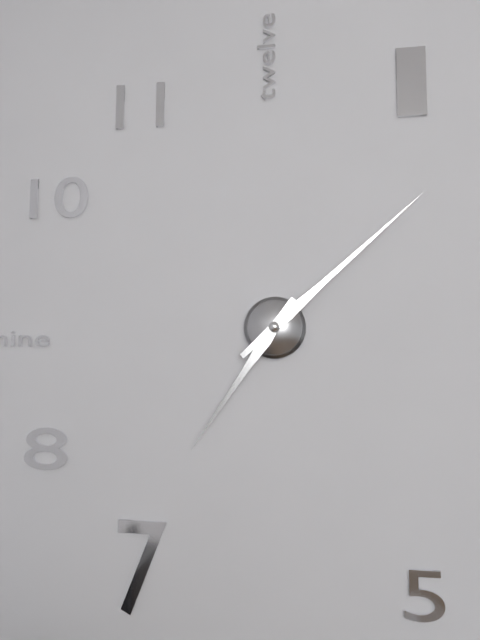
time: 7:08
